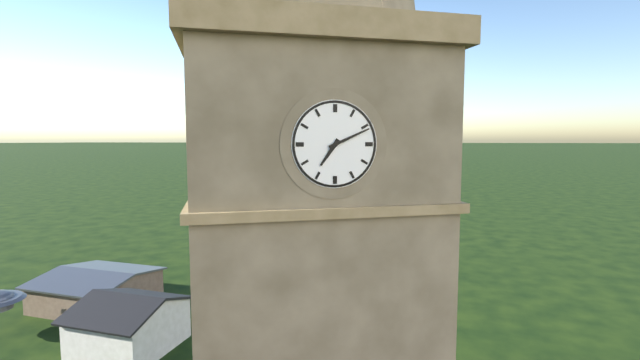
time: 7:11
